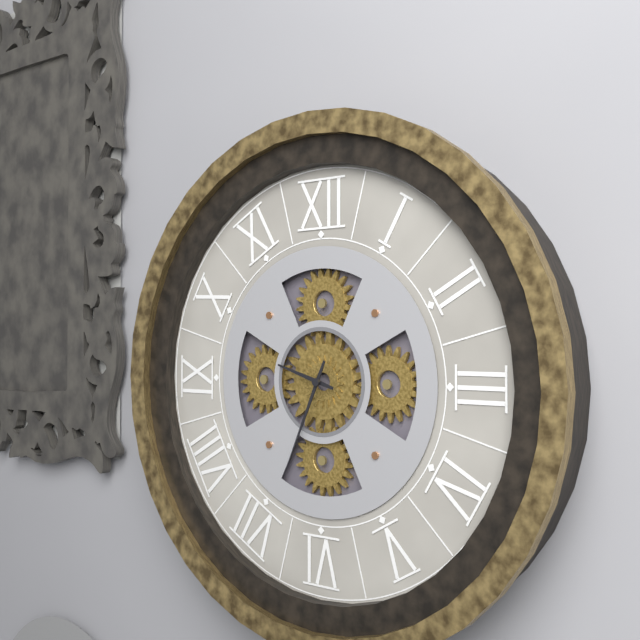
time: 9:34
